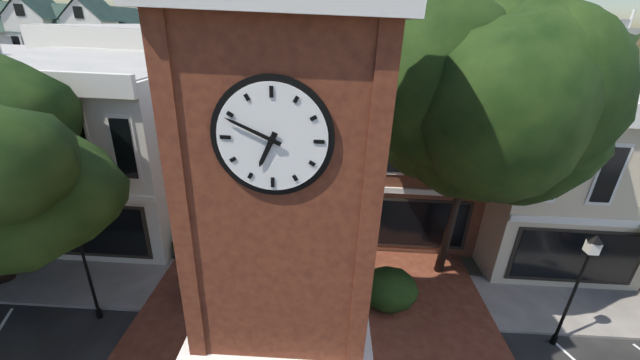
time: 6:49
